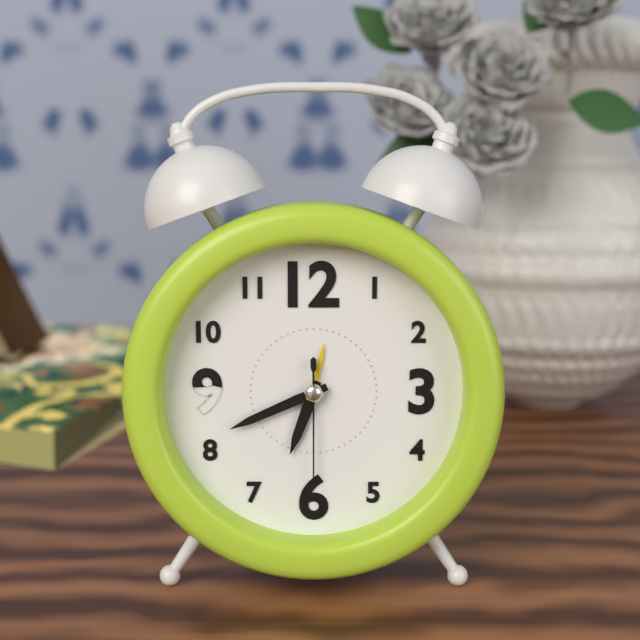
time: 6:41:30
